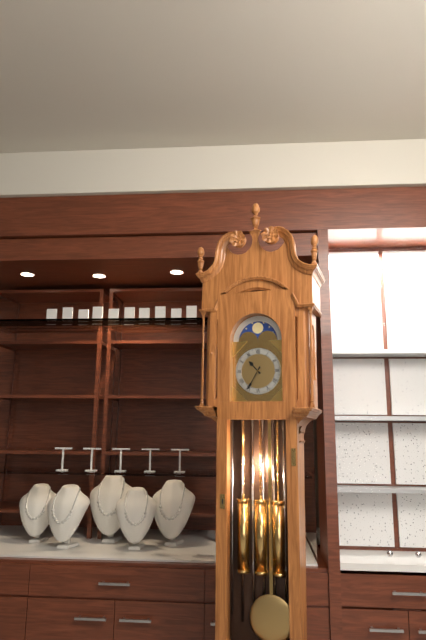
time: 10:35
